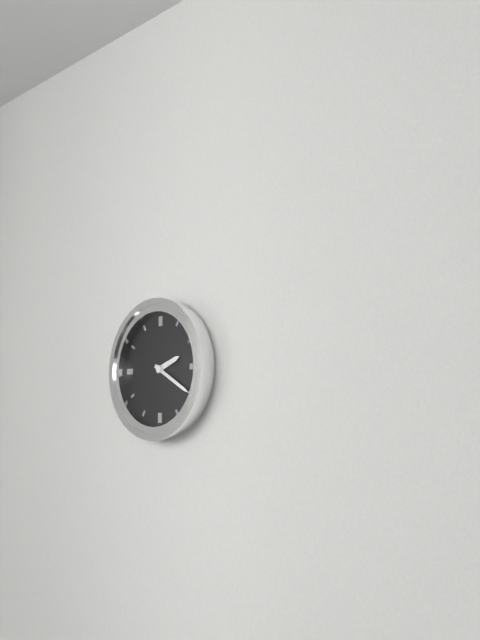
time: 2:20
